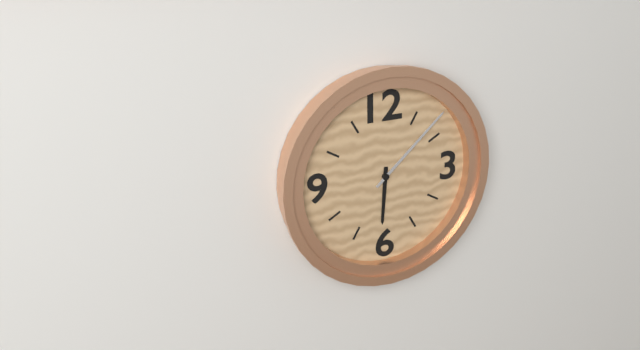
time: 6:08
